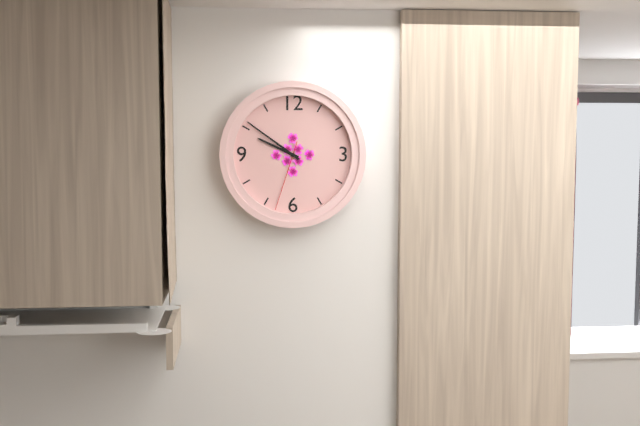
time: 9:51:33
